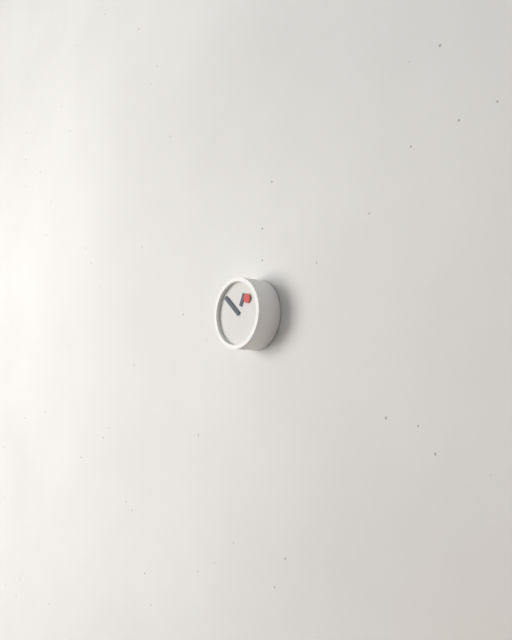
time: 12:52
